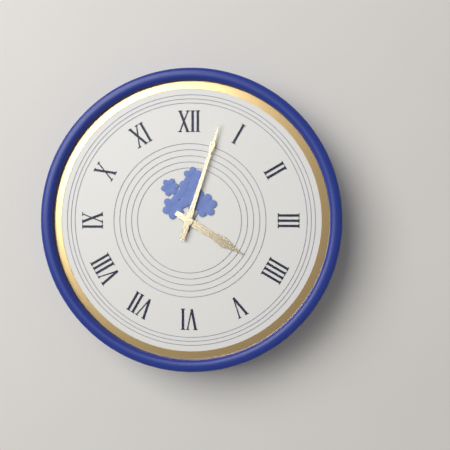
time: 4:03
